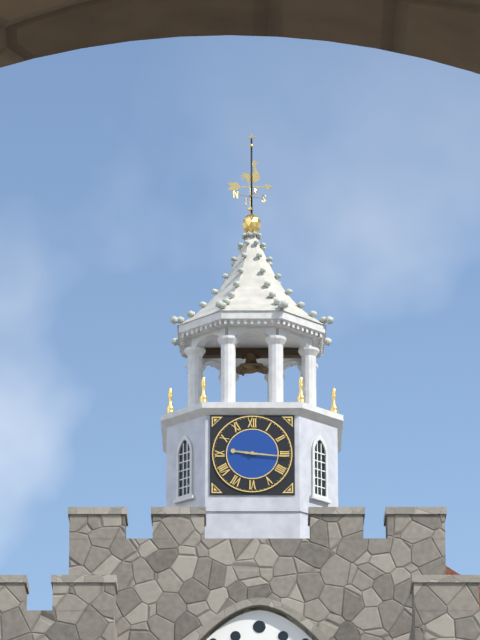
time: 9:16
